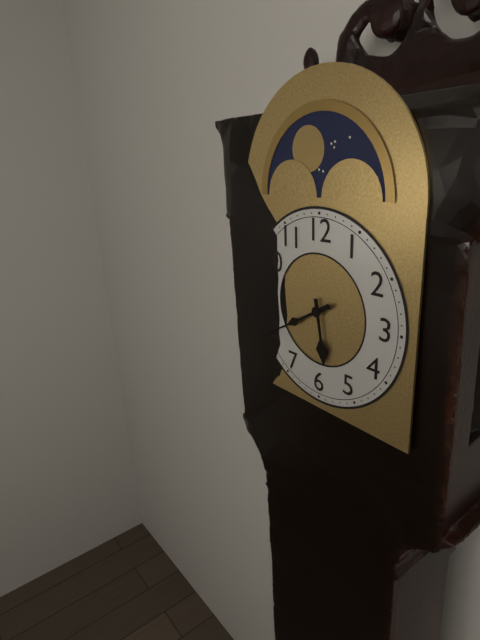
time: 5:40
